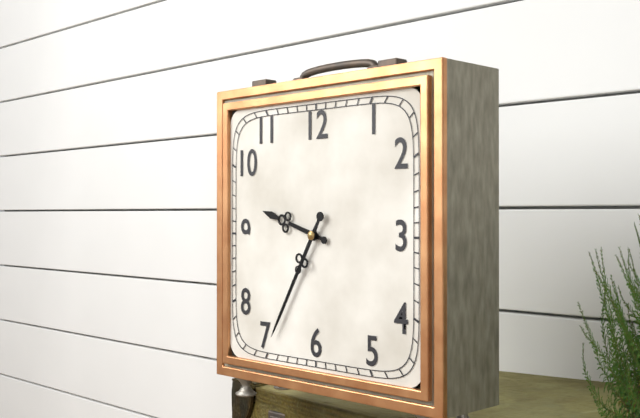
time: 9:35
